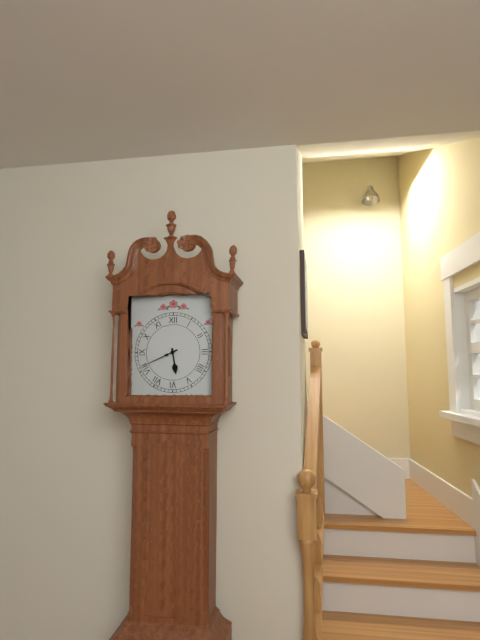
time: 5:41
